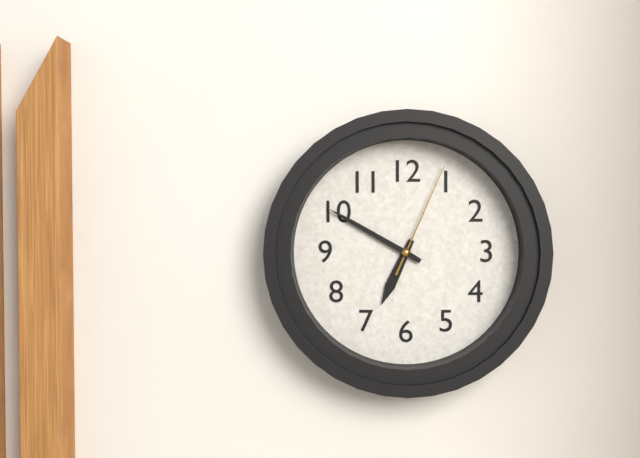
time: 6:50:04
